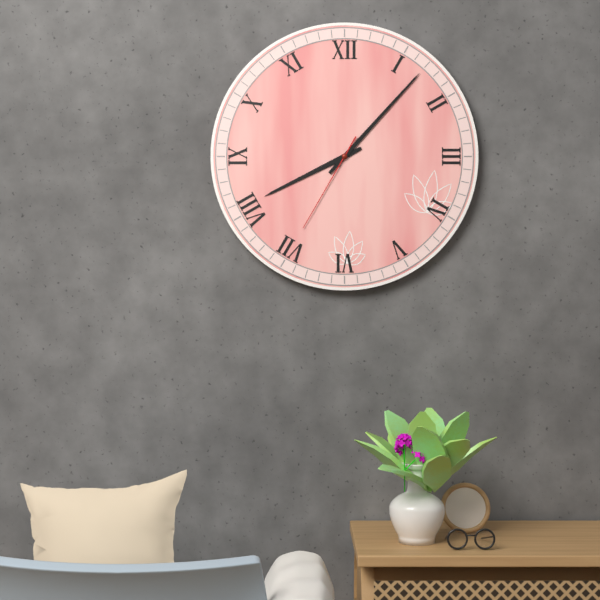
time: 8:07:35
